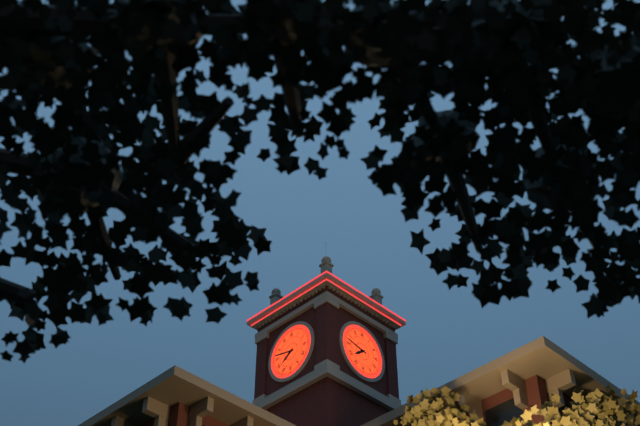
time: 7:47
